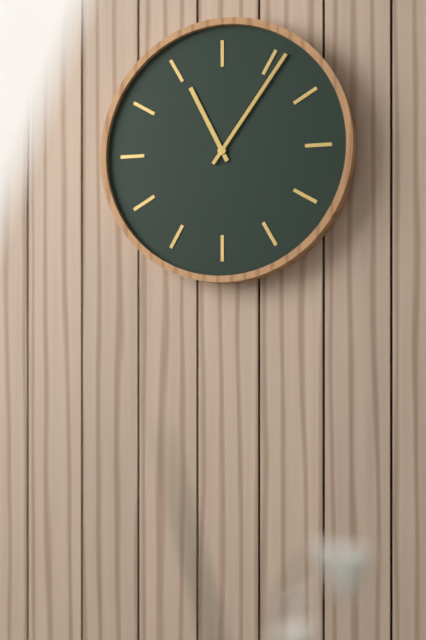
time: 11:06
